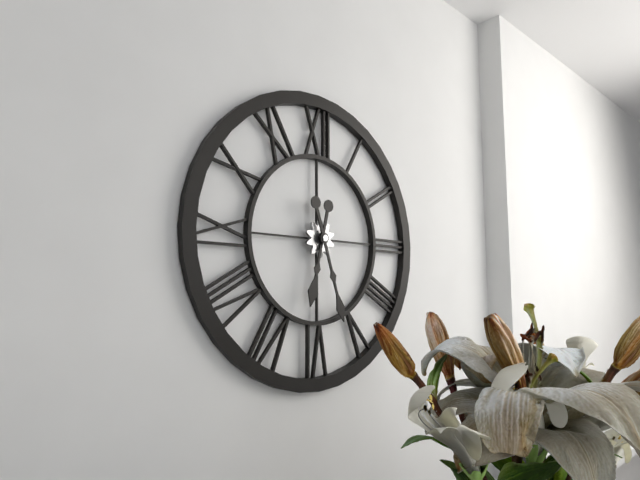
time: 6:27
